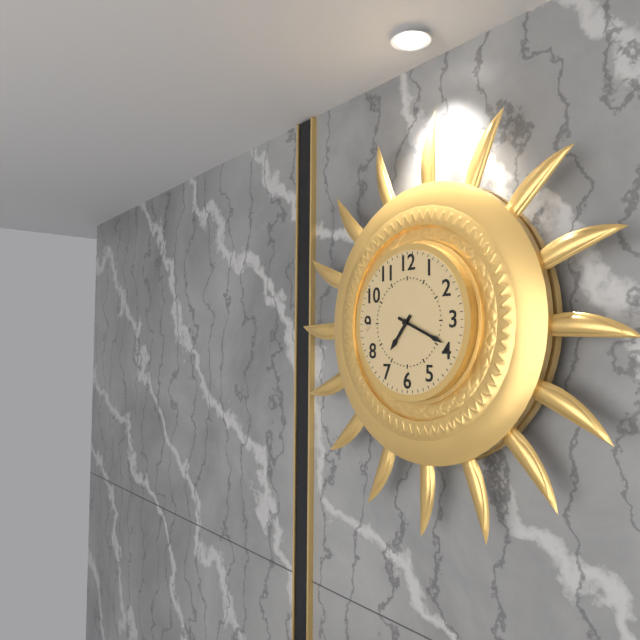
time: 7:19
